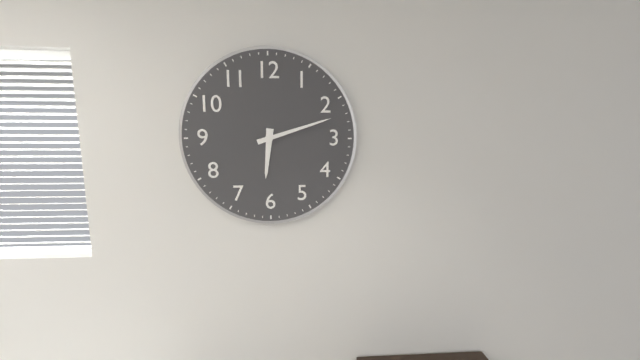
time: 6:12
